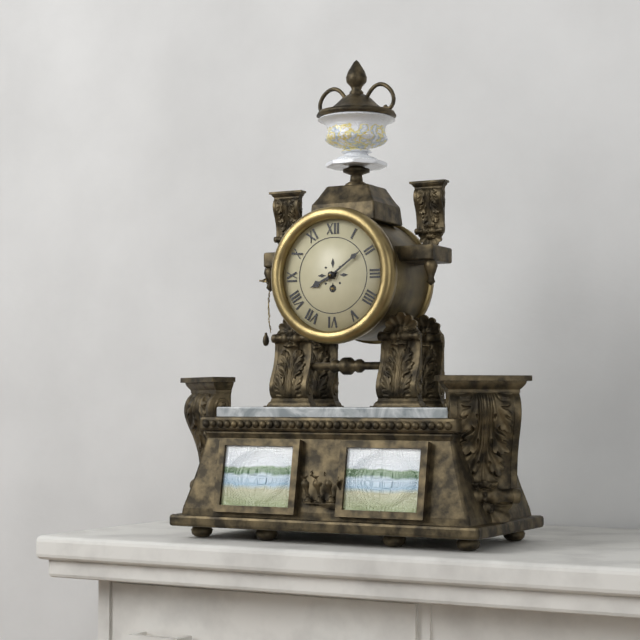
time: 8:09
